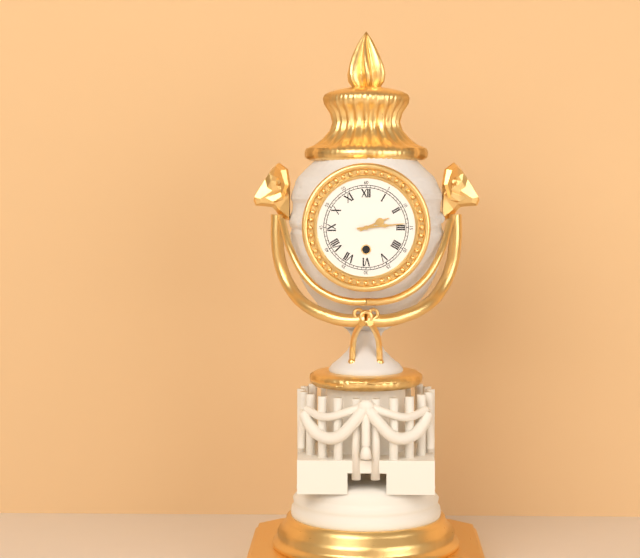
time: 2:14
